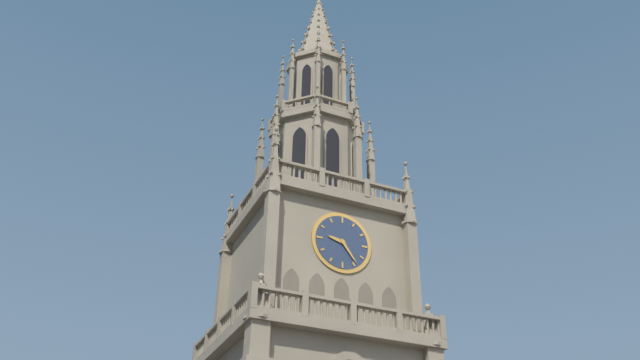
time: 9:24
